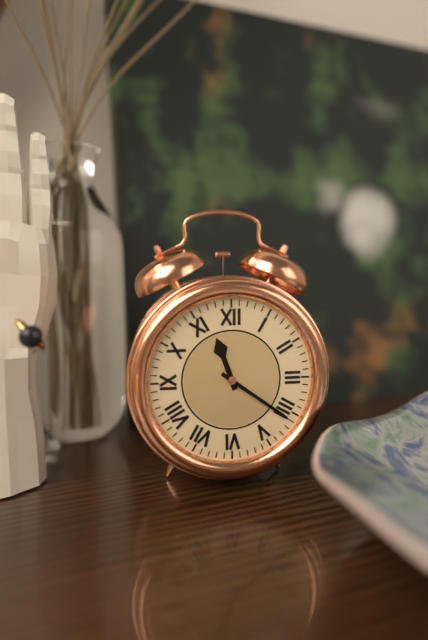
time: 11:21
